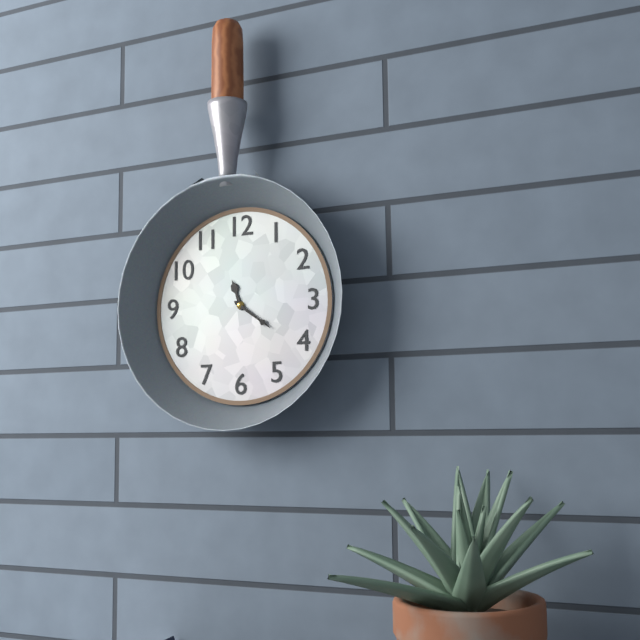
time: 11:21
